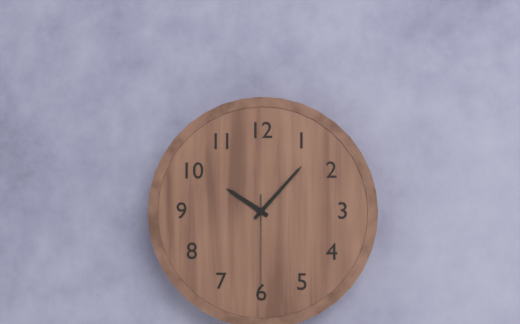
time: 10:07:30
